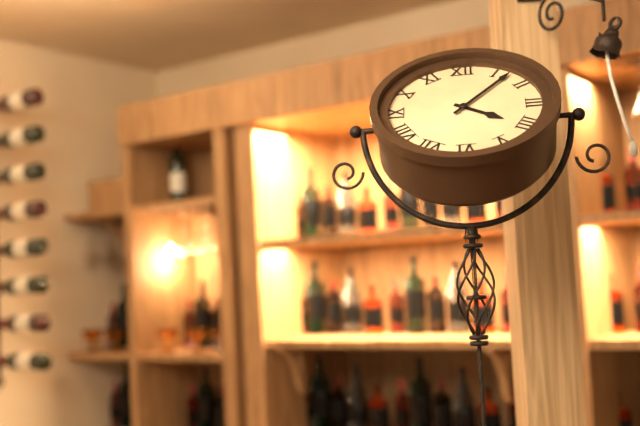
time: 4:07
